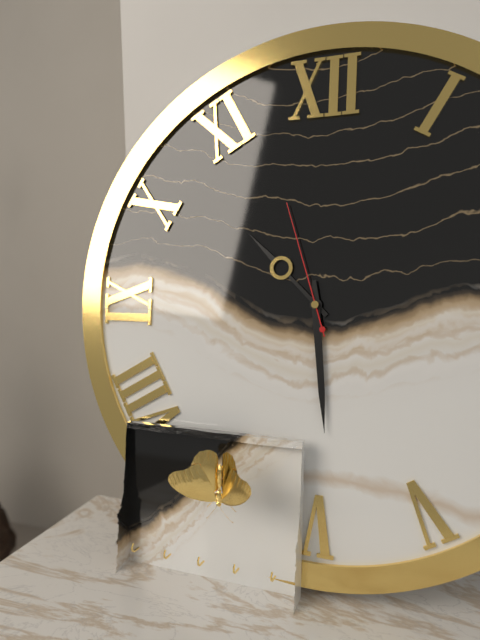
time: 10:29:57
